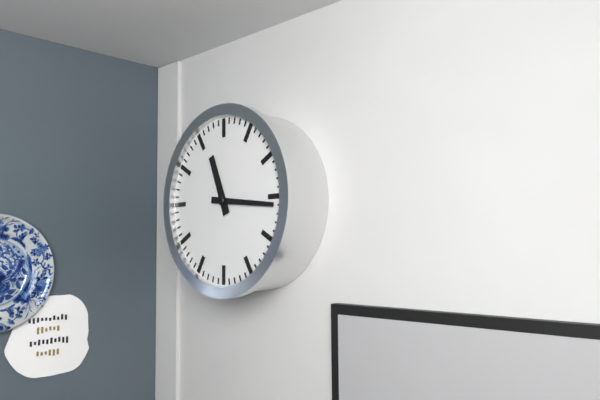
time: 11:16
